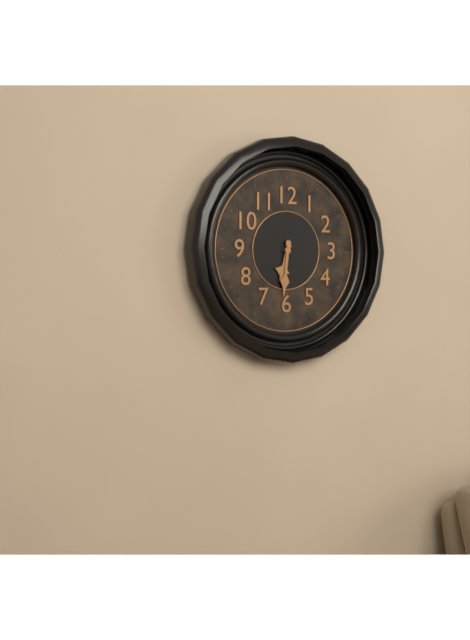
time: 6:31
